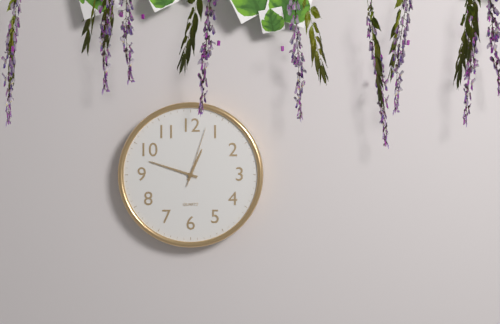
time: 12:48:03
